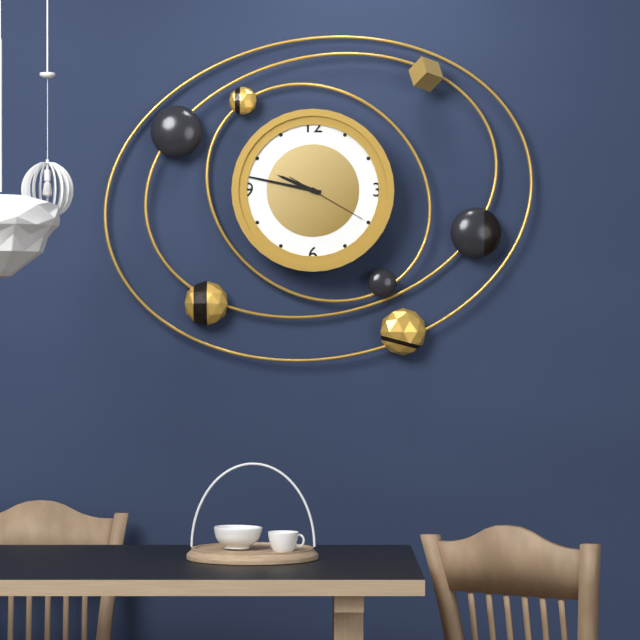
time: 9:47:20
